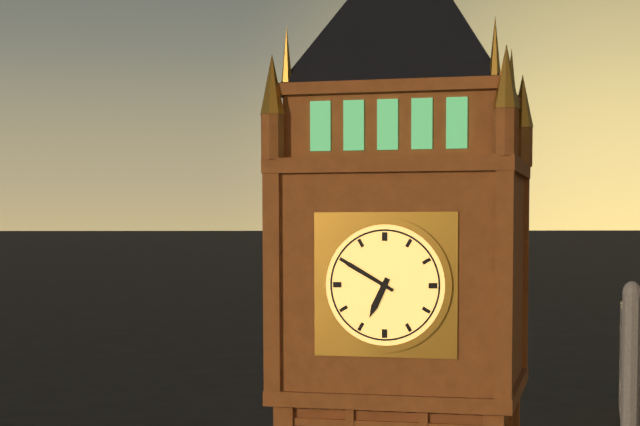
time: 6:50
